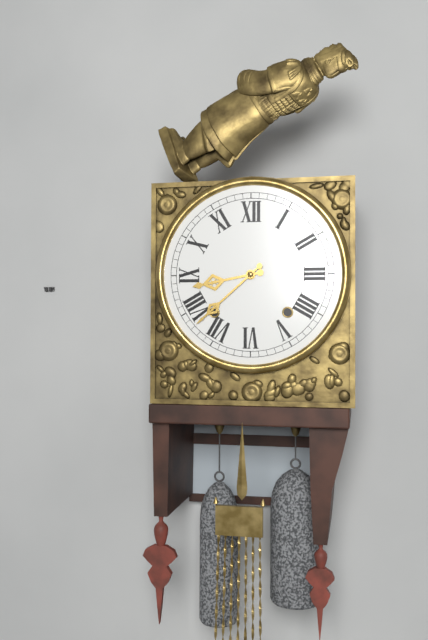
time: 8:38
